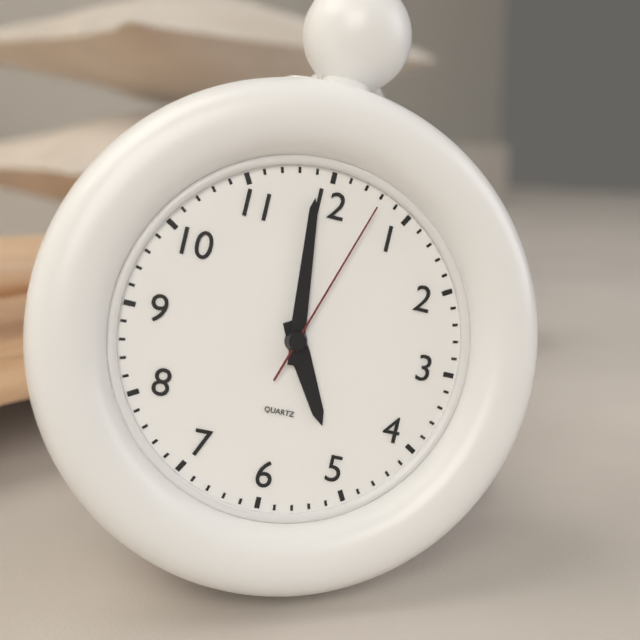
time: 4:59:03
